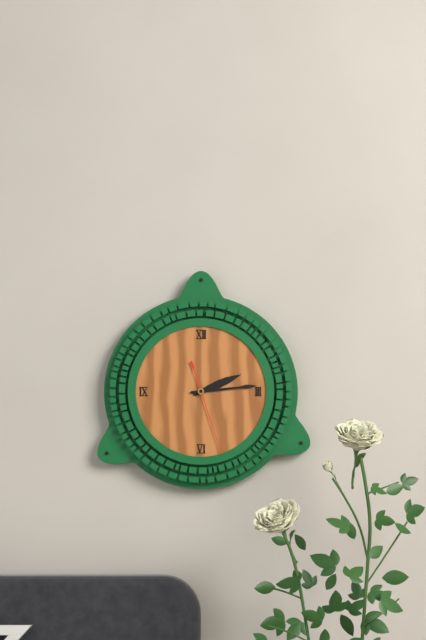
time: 2:14:27
